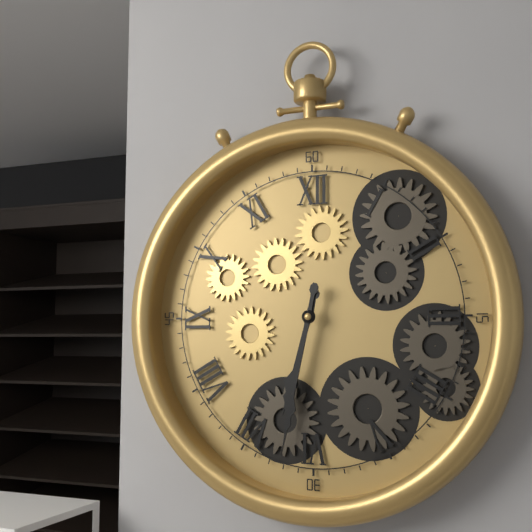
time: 6:32
